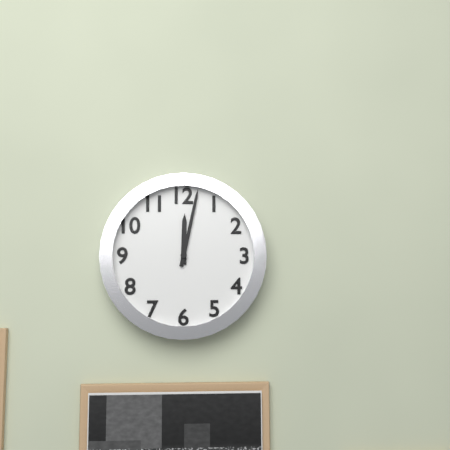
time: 12:02
